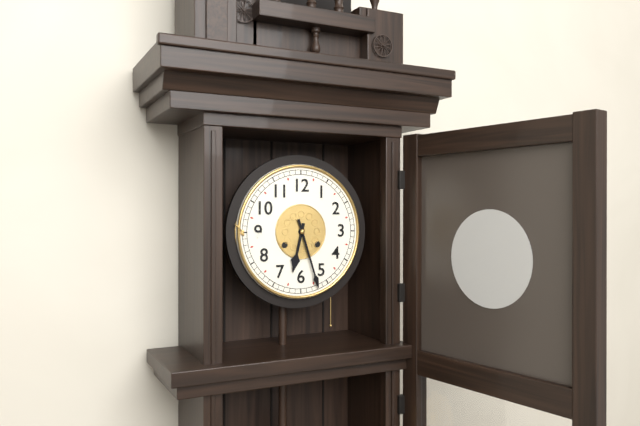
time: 6:27
